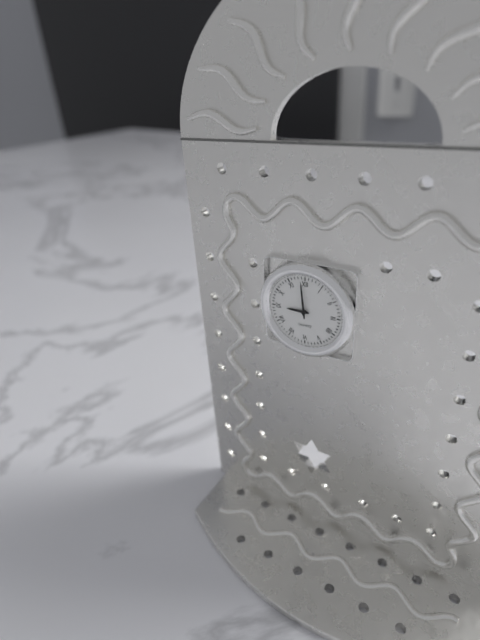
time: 8:59
